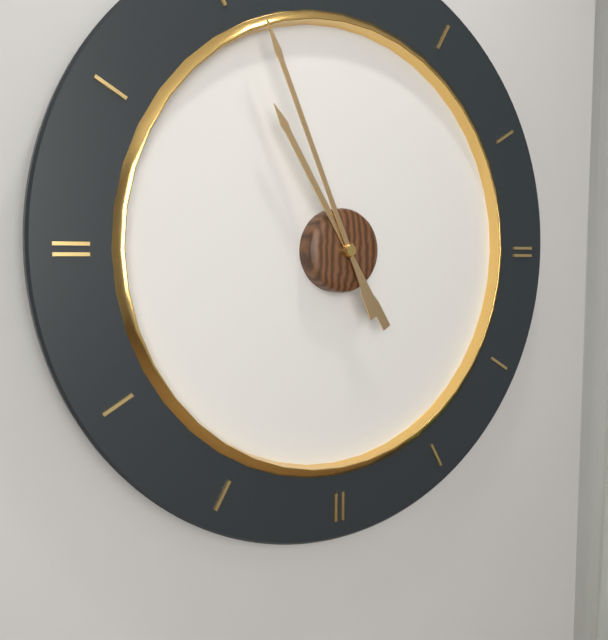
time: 10:56
